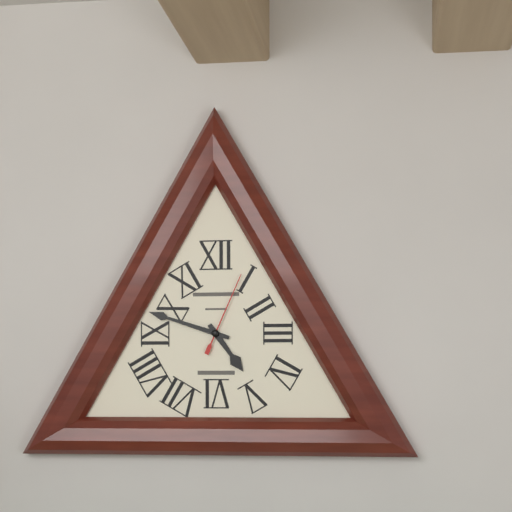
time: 4:48:04
